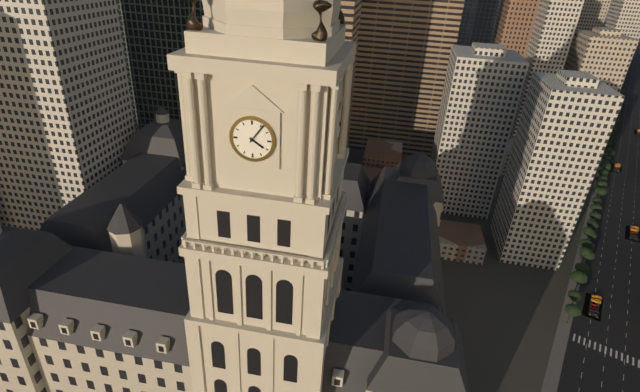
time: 4:06
